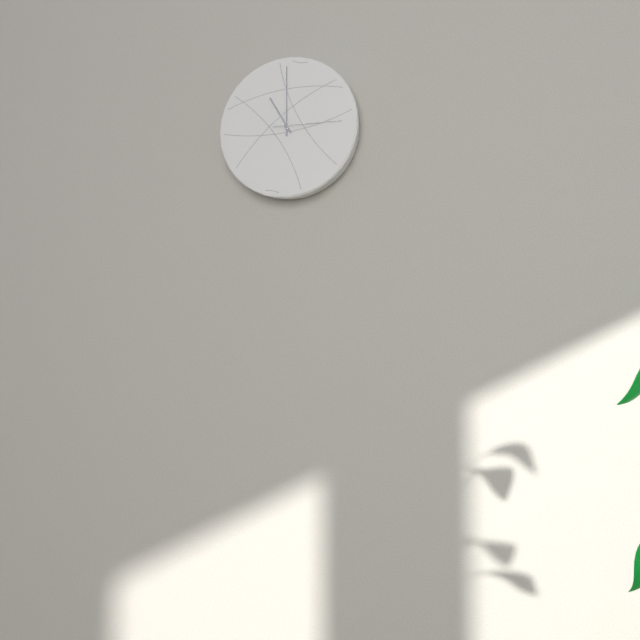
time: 11:00:15
